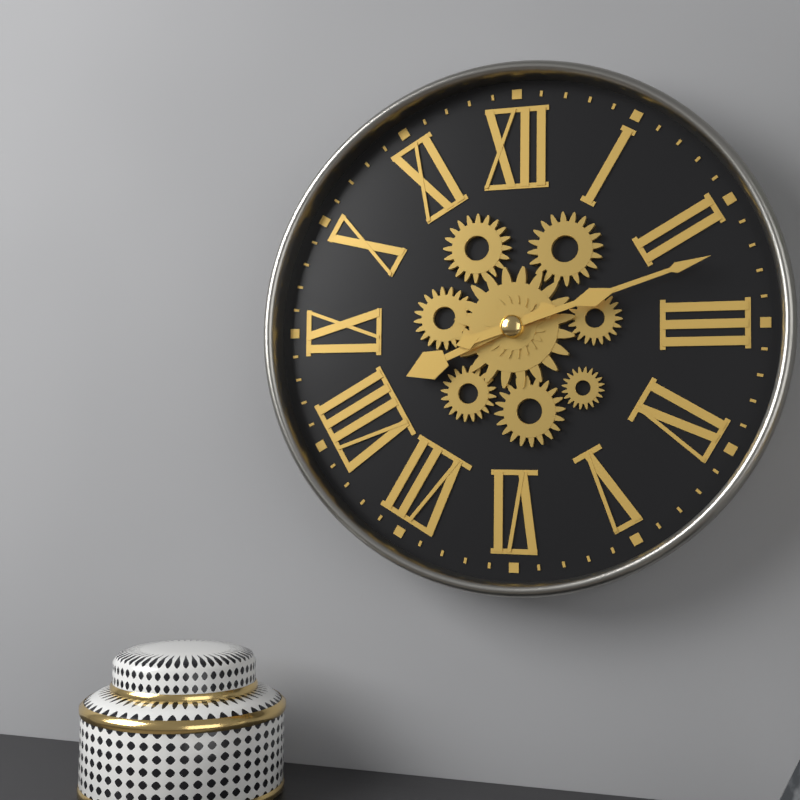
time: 8:12
